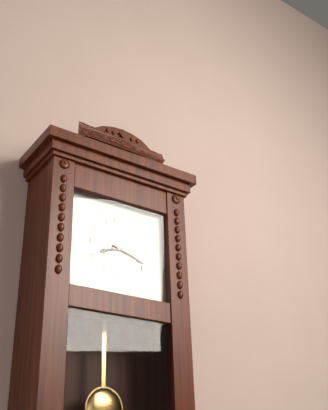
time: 8:18
